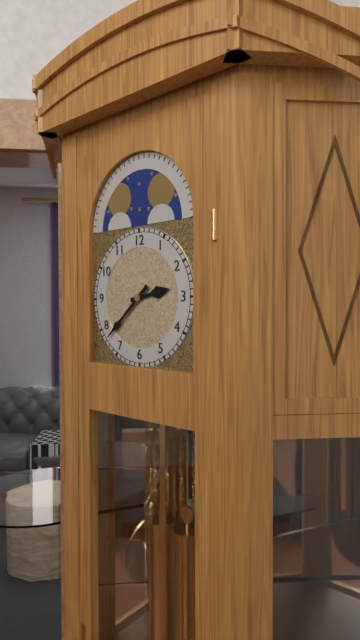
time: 2:38
